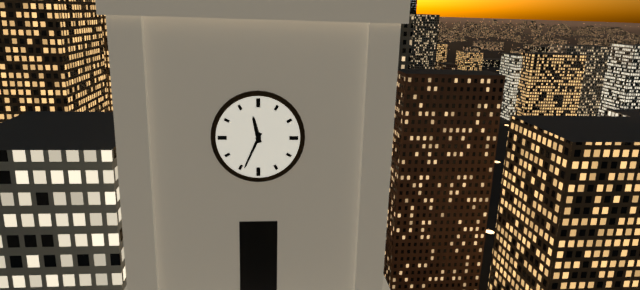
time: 11:34
